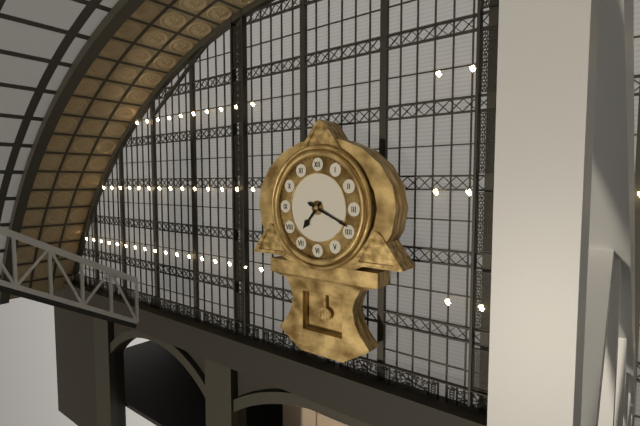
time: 7:19
